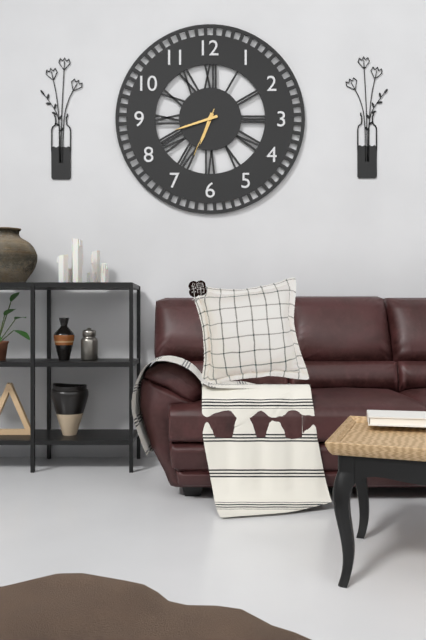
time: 6:42:34
